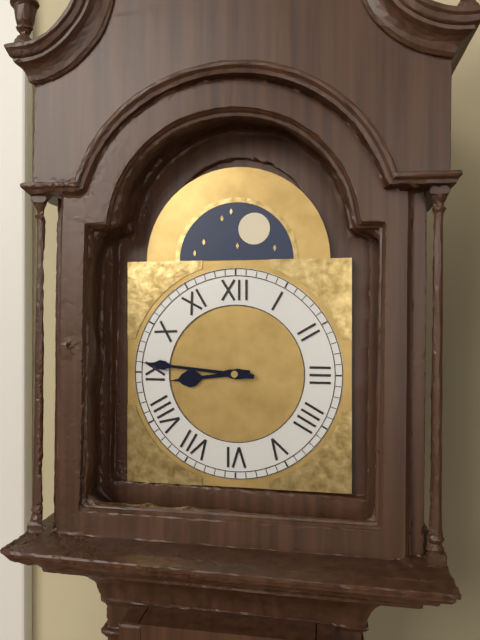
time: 8:46
